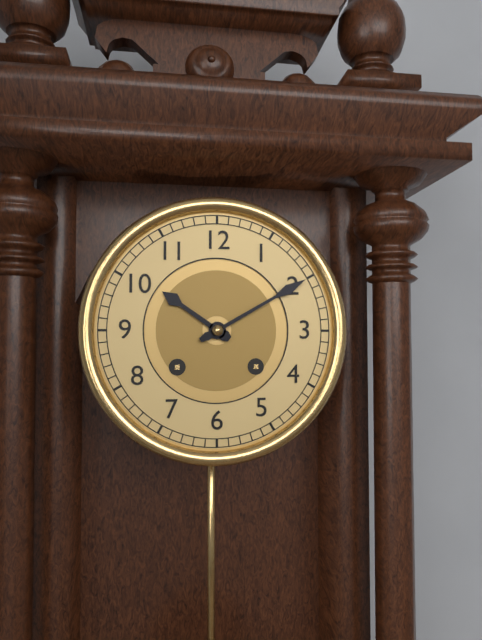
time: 10:10
